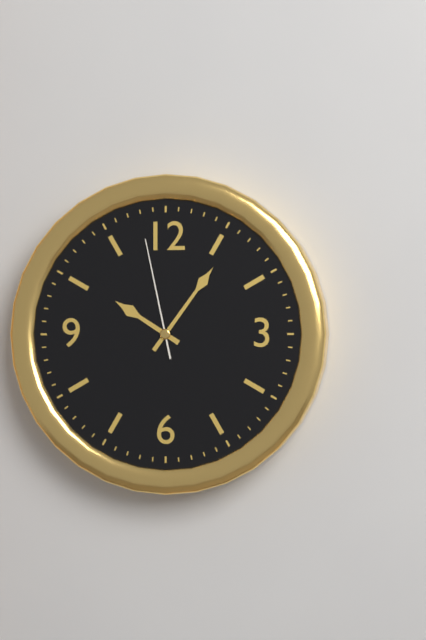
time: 10:06:58
